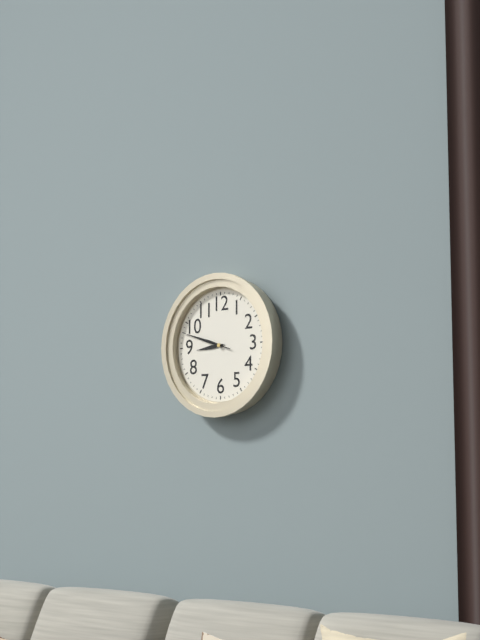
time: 8:48
